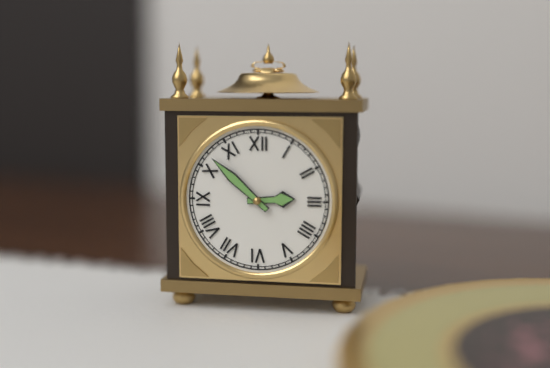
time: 2:52
